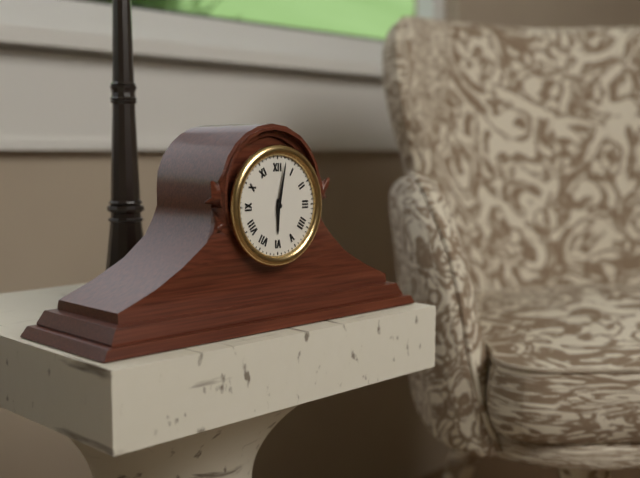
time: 6:02
